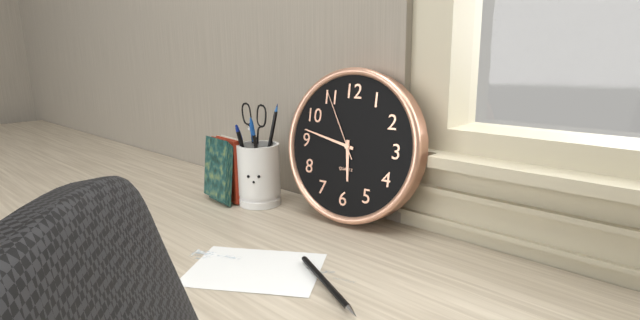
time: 5:47:55
